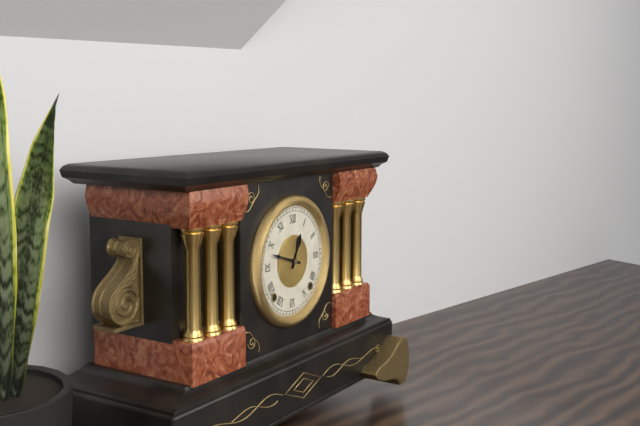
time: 12:48
